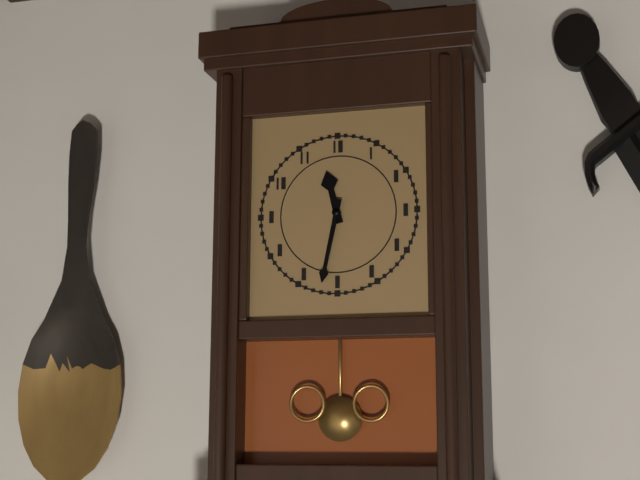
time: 11:32
